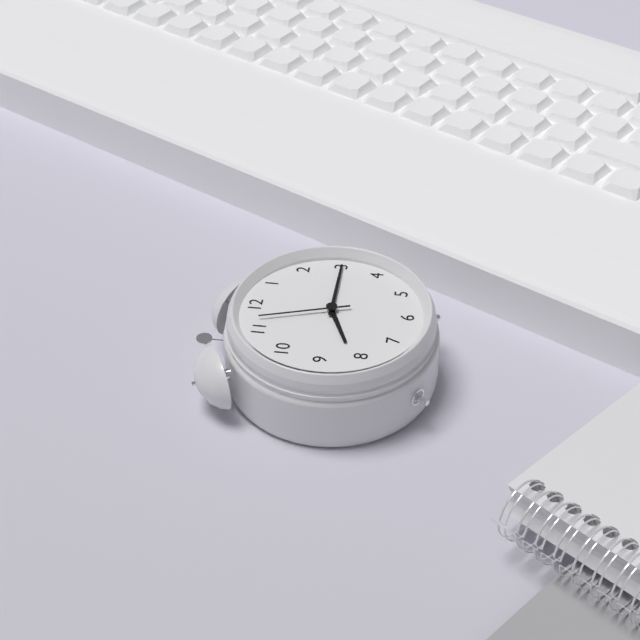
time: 8:15:57
